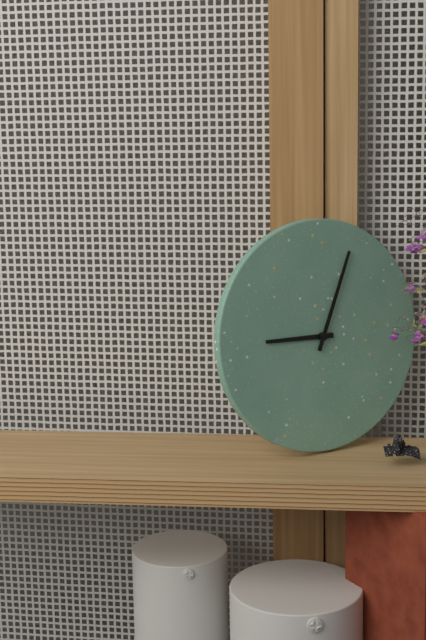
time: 9:04
